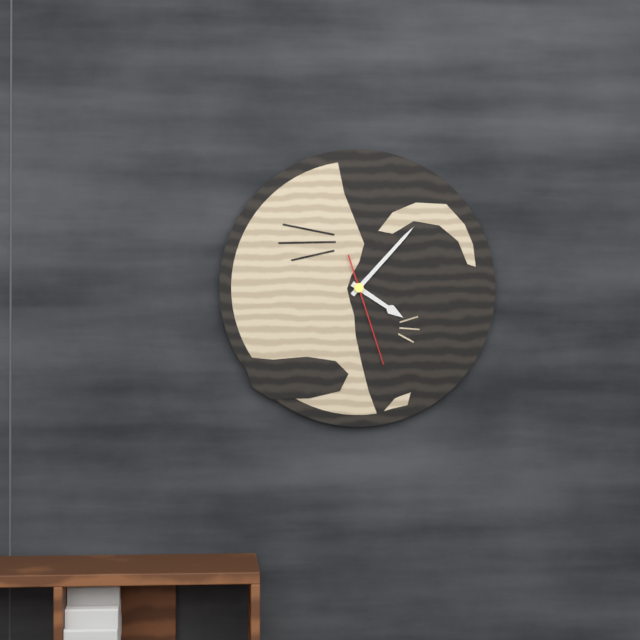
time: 4:07:27
